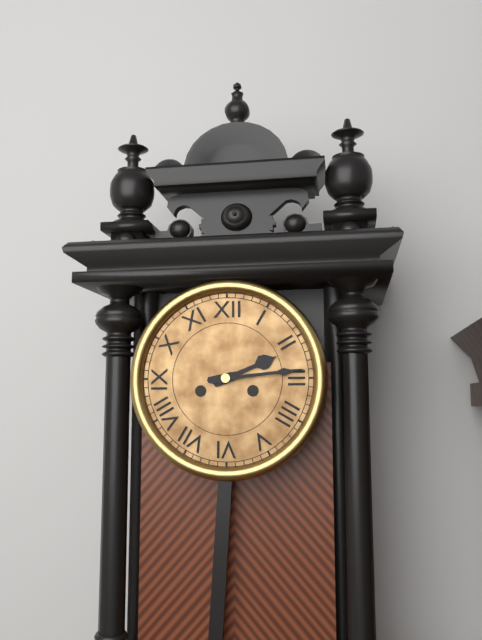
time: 2:14
